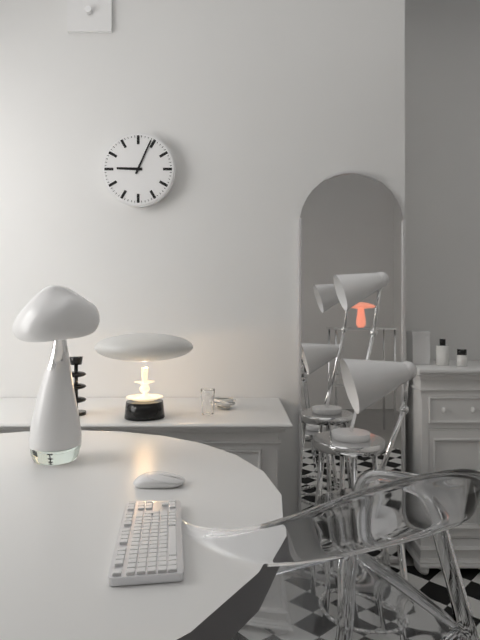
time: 9:04
